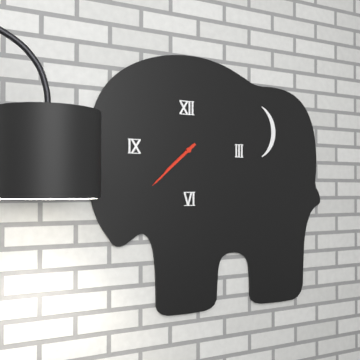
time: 7:38
